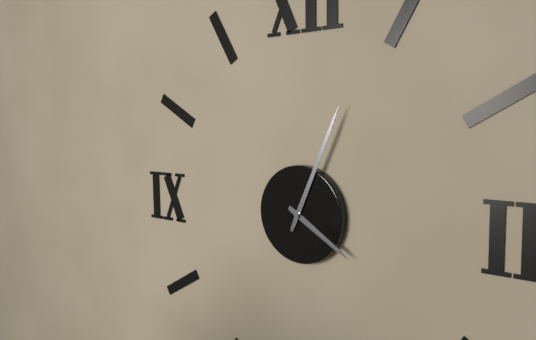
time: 4:04
